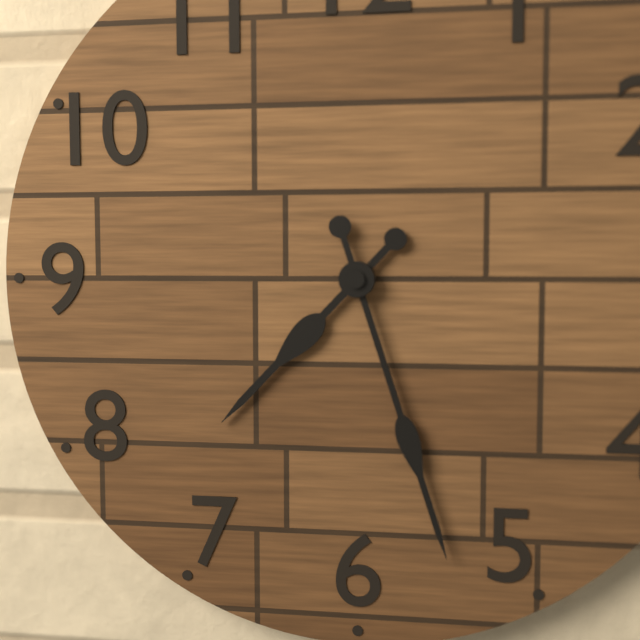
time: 7:27
